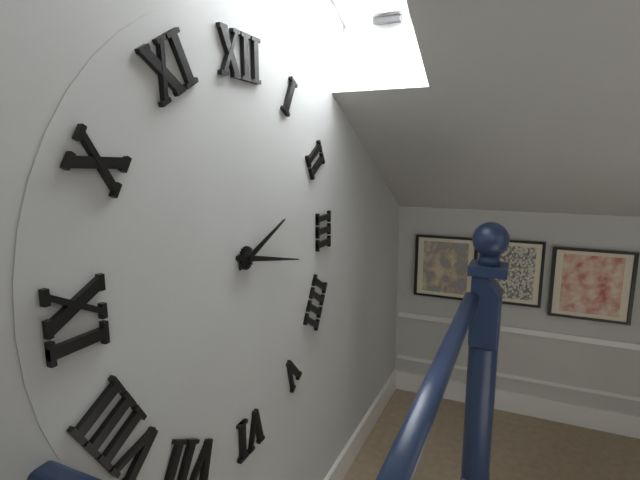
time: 2:17
